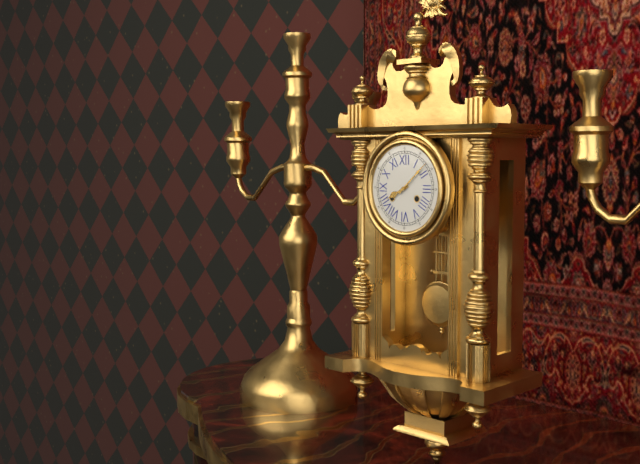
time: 8:08
